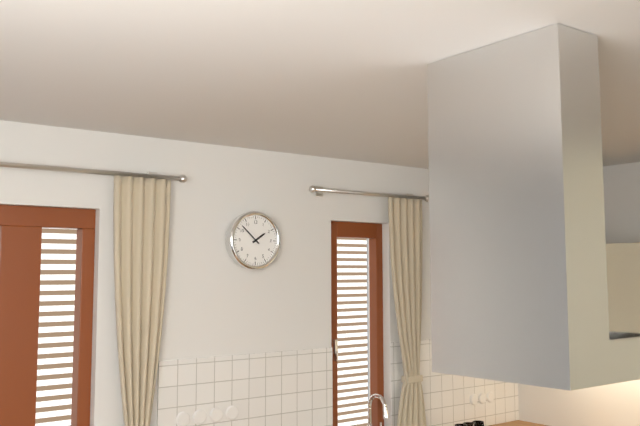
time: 1:52
